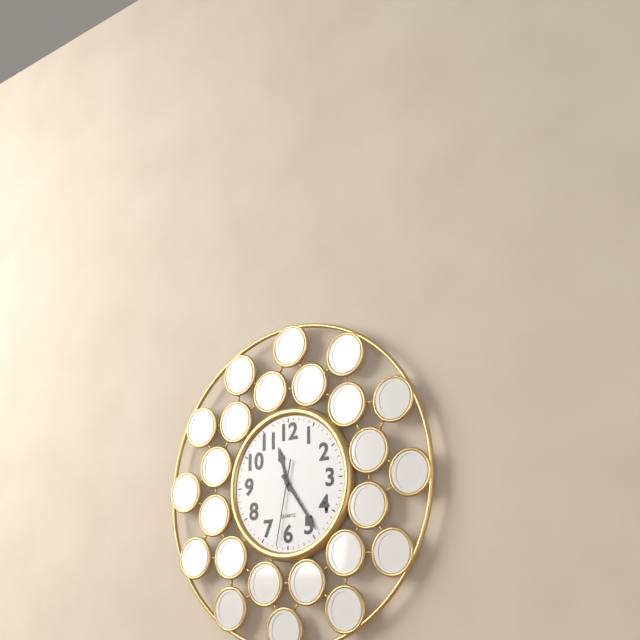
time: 11:24:32
